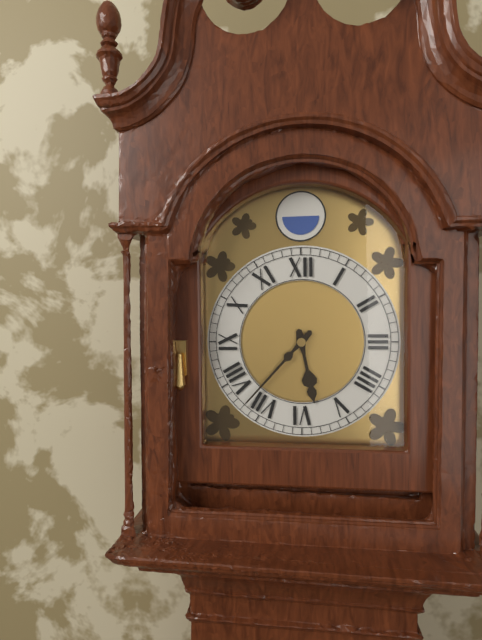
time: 5:37
